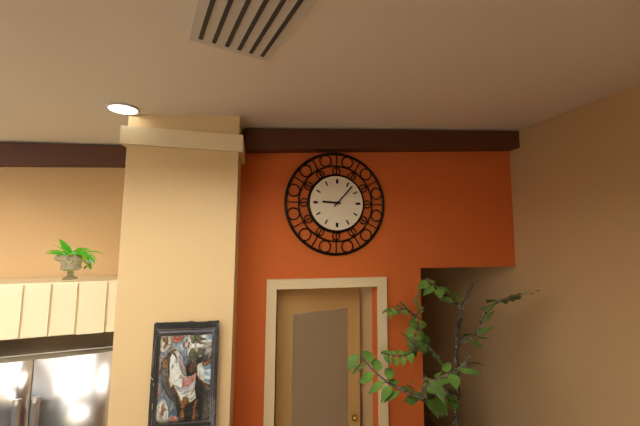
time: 9:07
